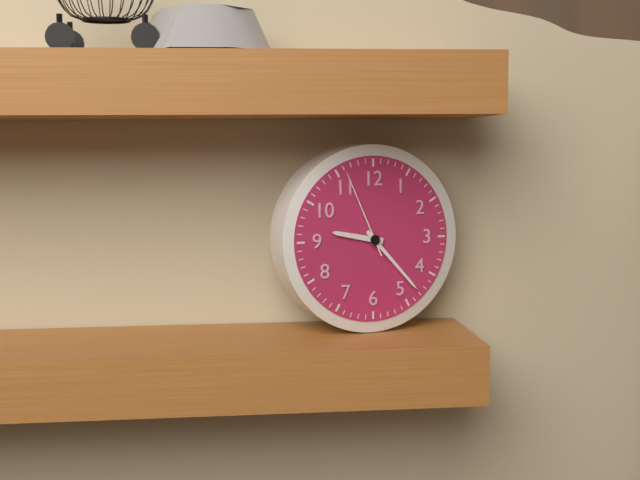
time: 9:23:56
